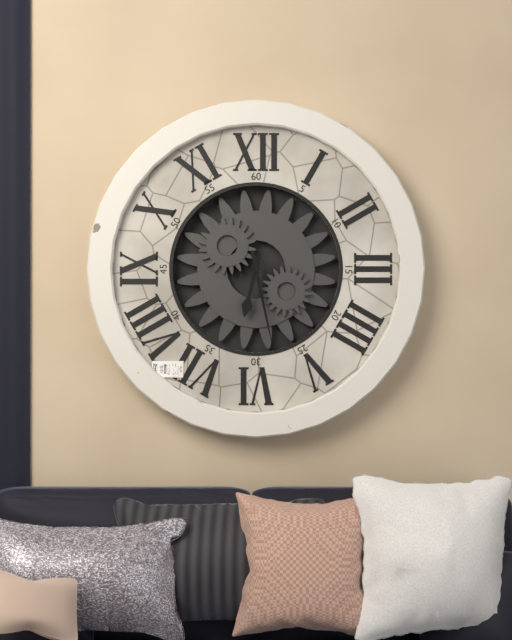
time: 6:28
